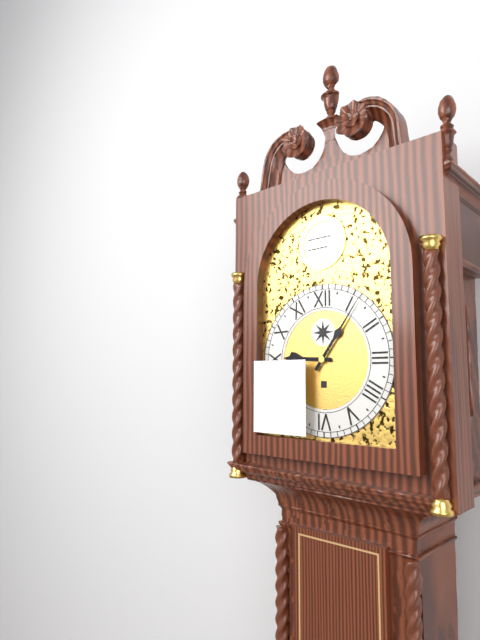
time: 9:06
